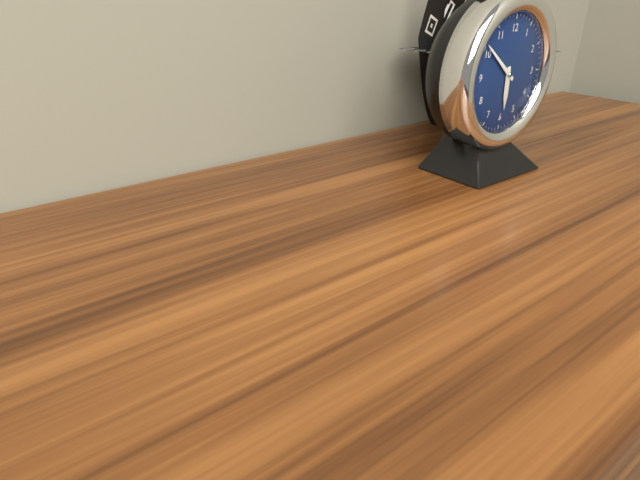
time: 5:51
